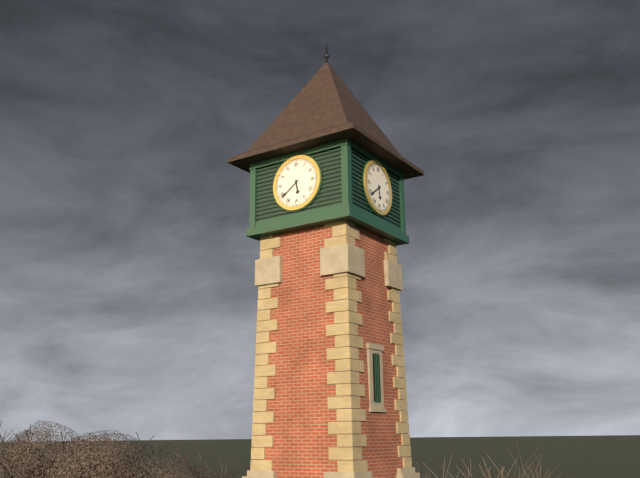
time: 5:39
